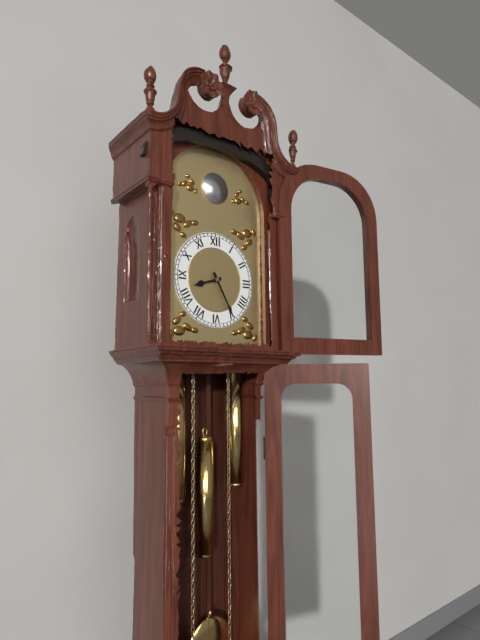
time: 8:25
